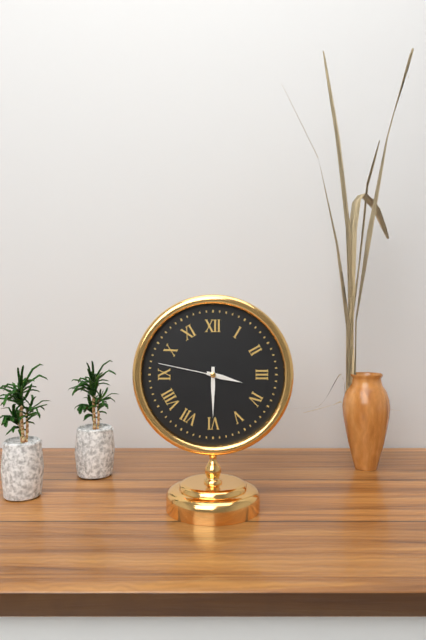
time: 3:30:47
